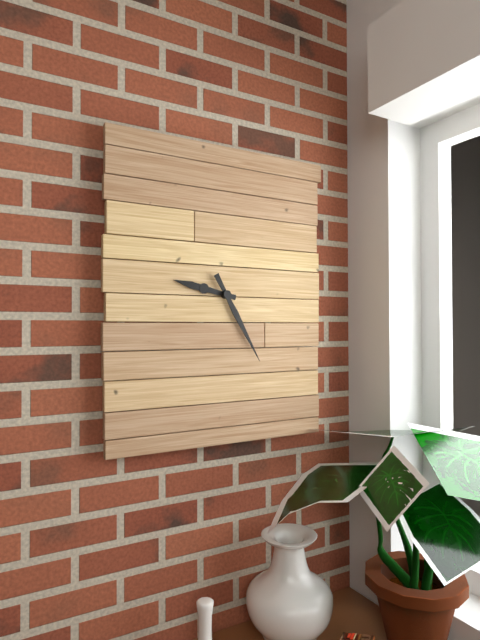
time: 9:25
